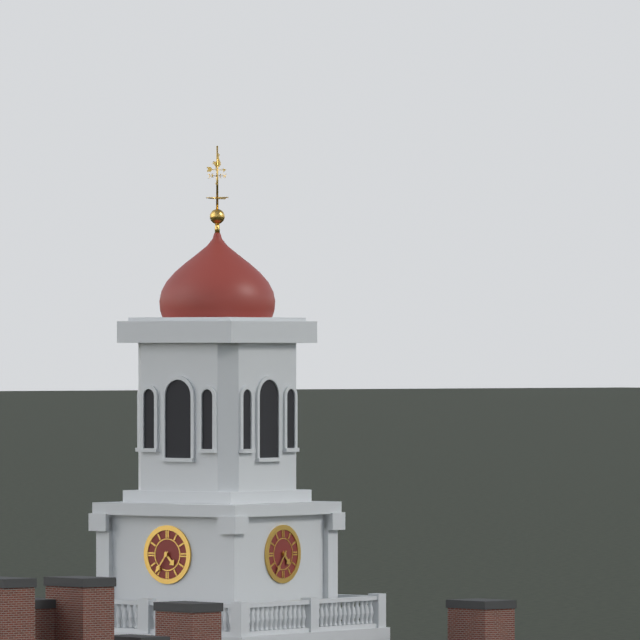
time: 4:36
